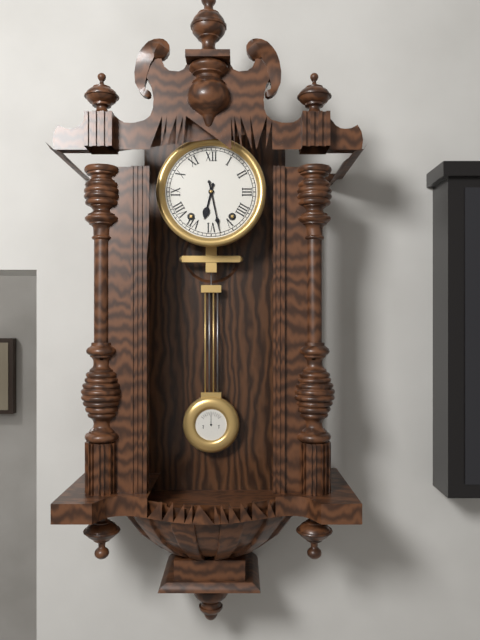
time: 6:28
